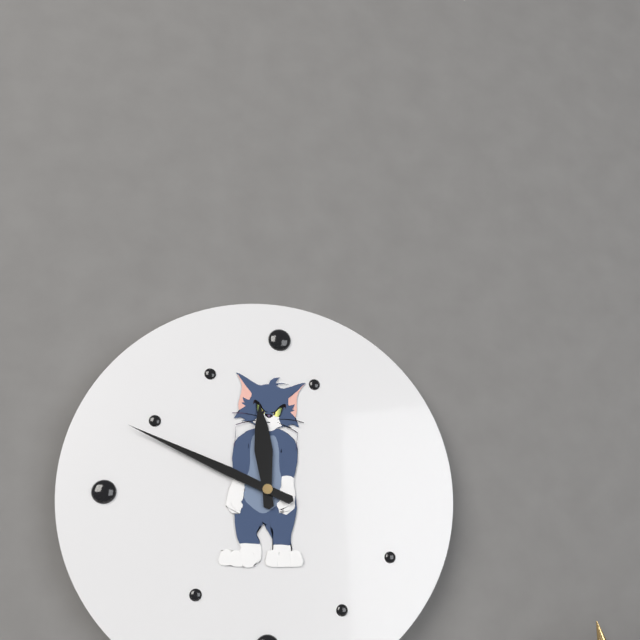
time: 11:49
